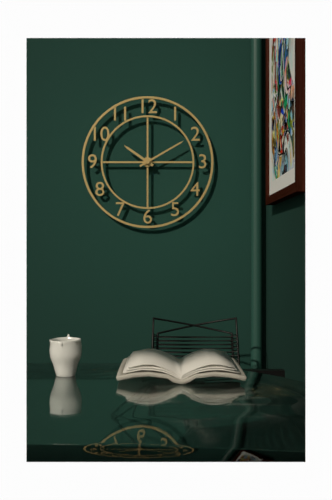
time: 10:10
